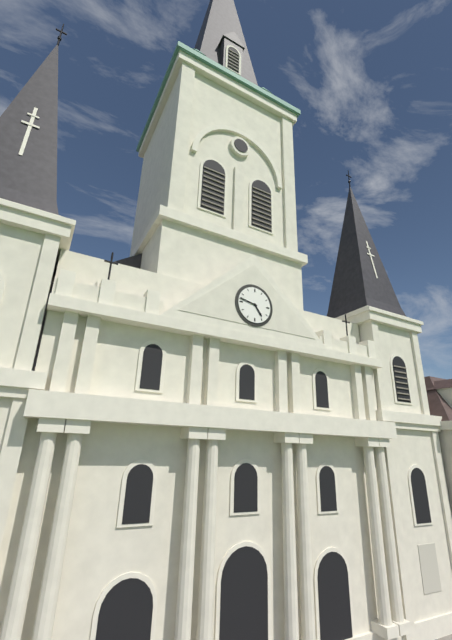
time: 4:47
